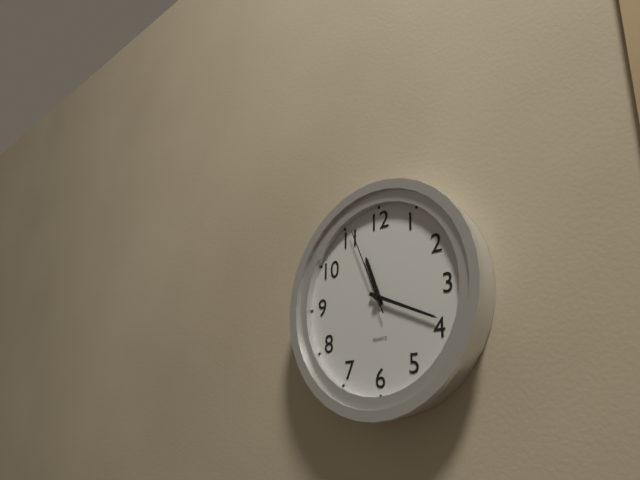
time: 11:19:56
